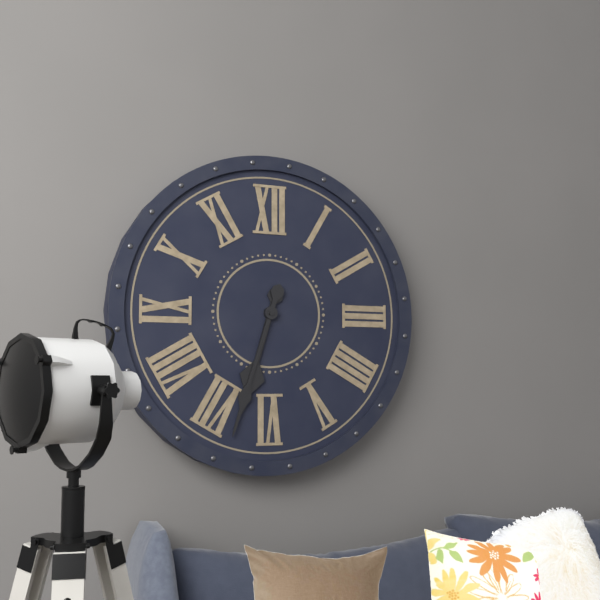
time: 6:33
